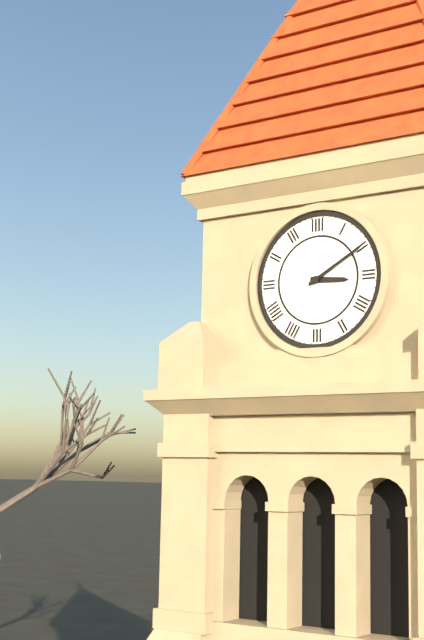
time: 3:10
